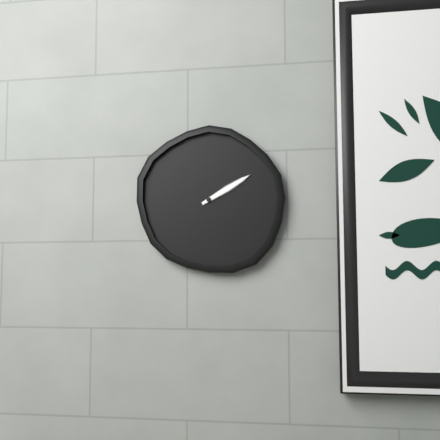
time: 10:10
